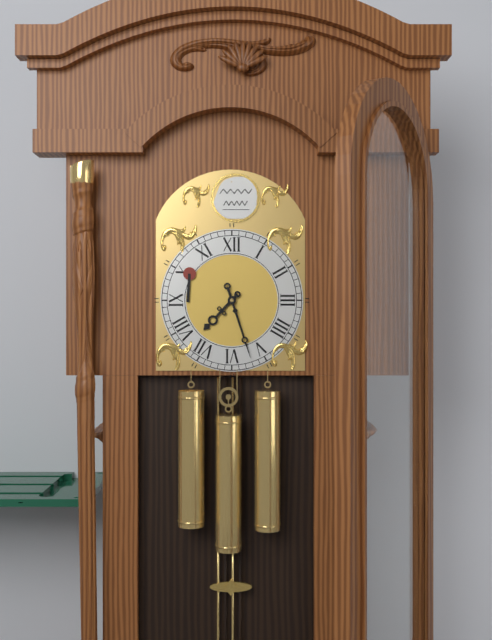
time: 7:27
